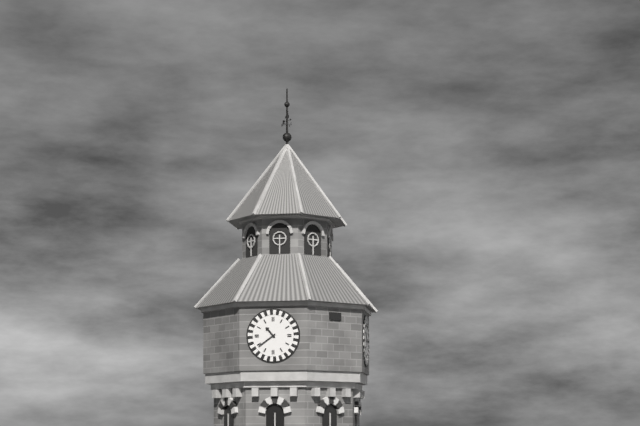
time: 10:39
